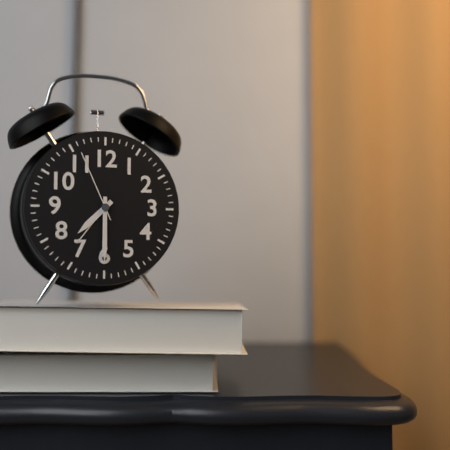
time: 7:30:56
